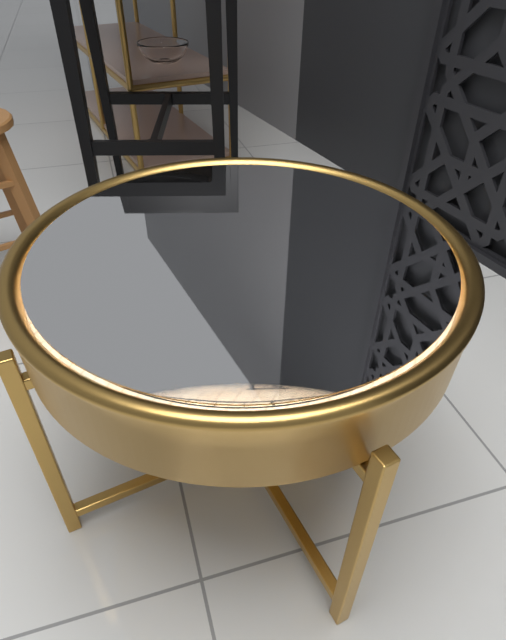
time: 8:41
